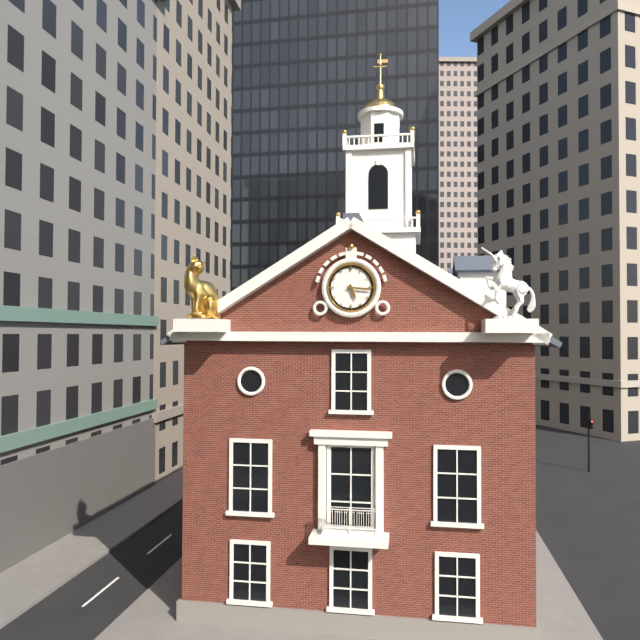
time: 5:16
